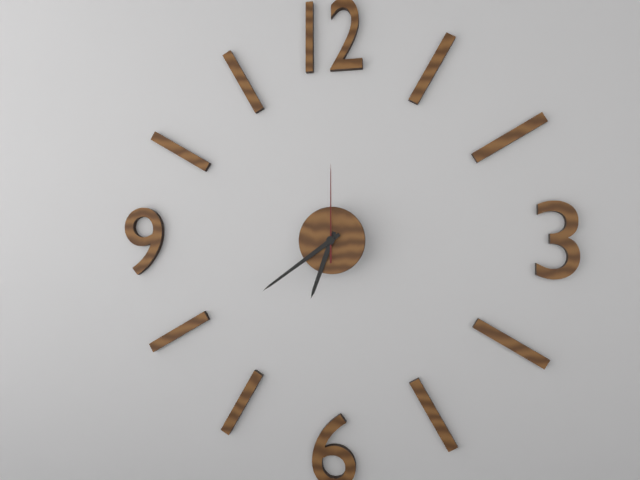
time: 6:39:00
